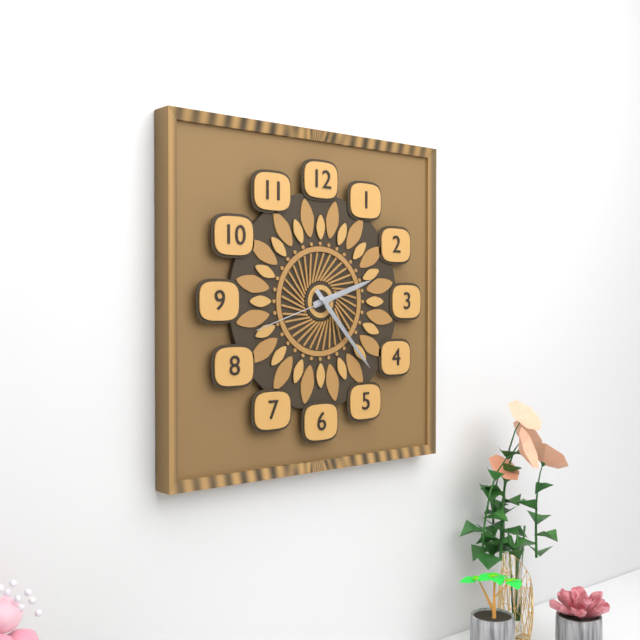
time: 2:23:42
